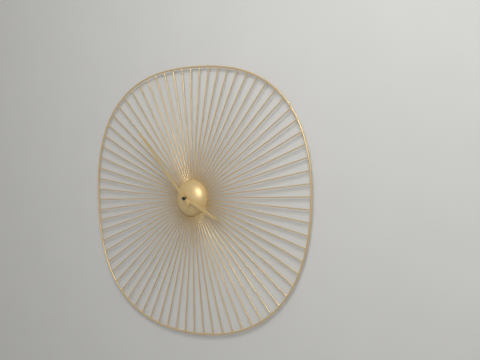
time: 3:53
